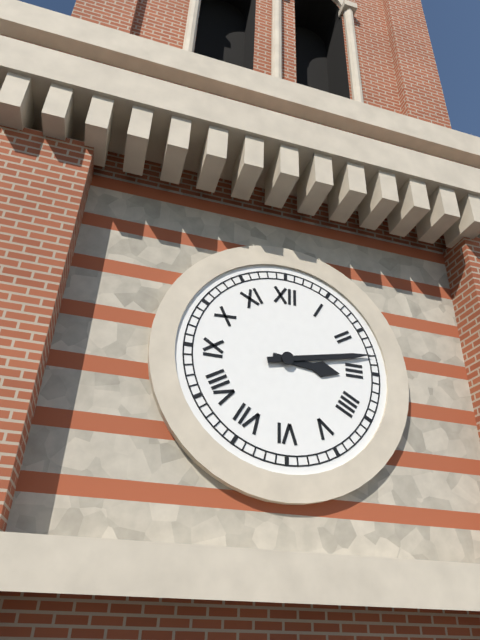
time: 3:13
